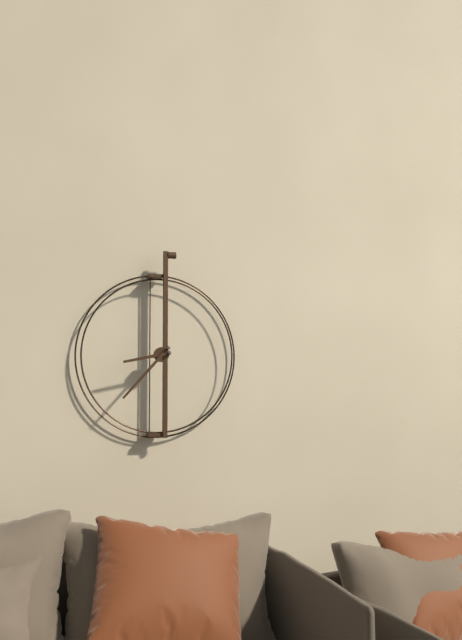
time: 8:37
